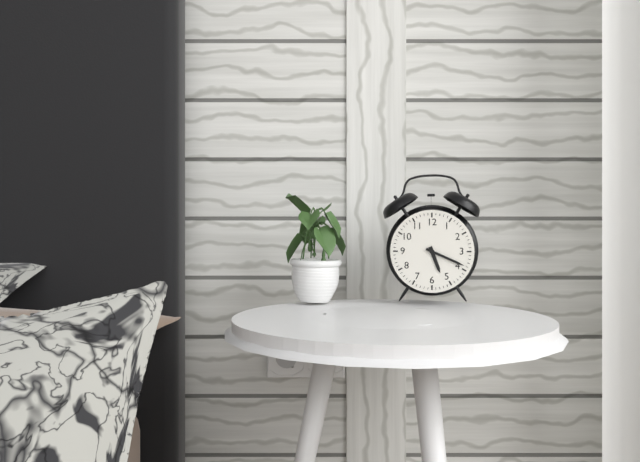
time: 5:19
